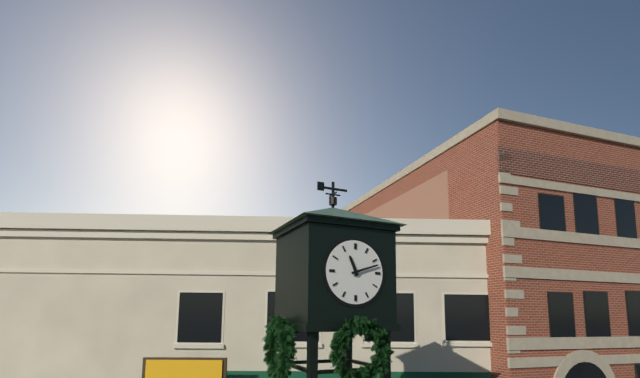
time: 11:12
